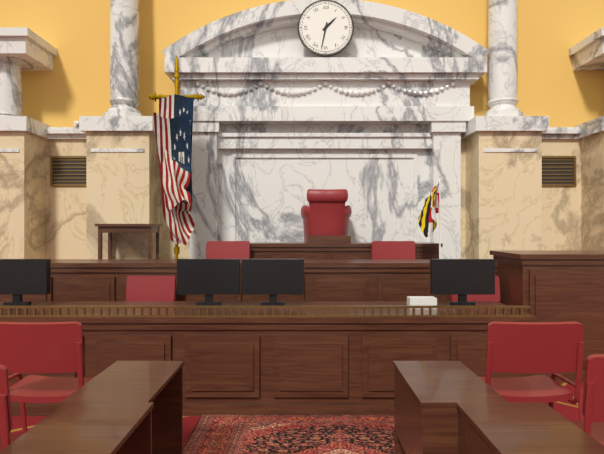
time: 1:32
